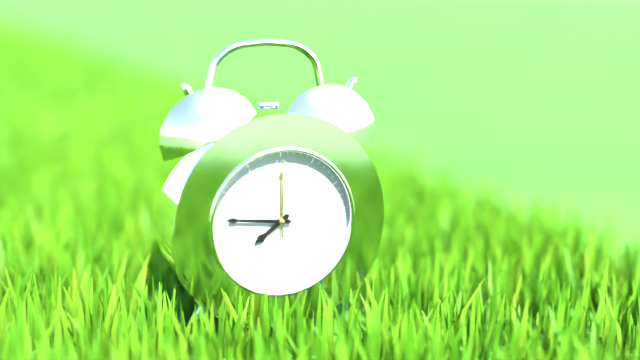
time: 7:46:00
